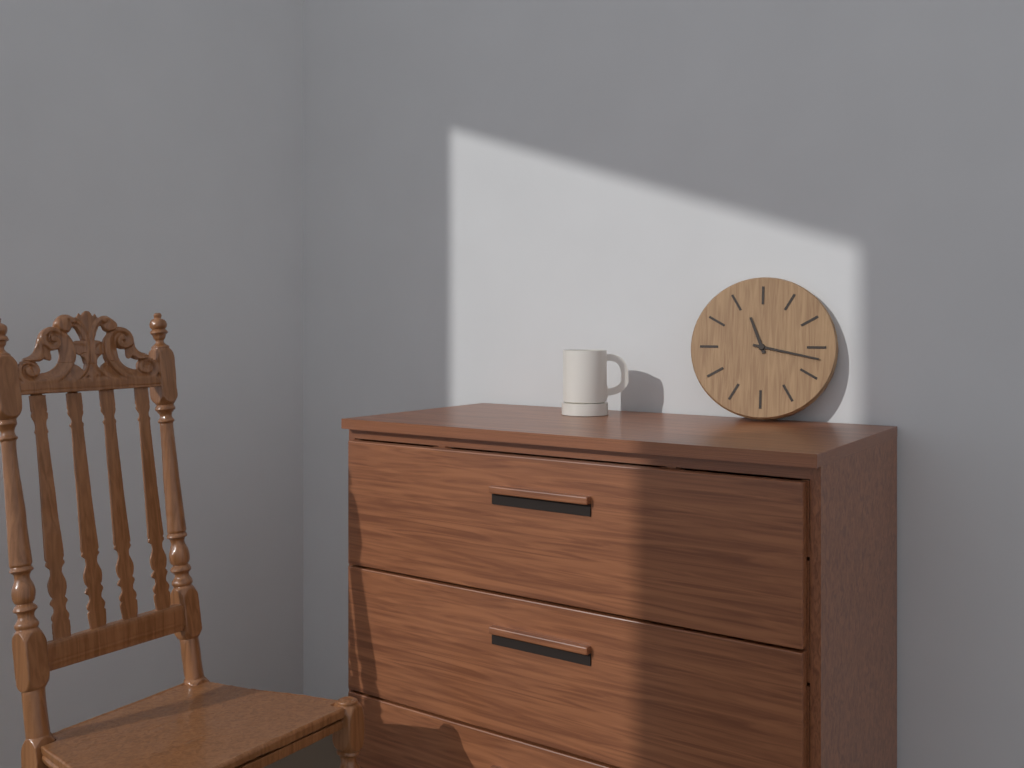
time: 11:17
